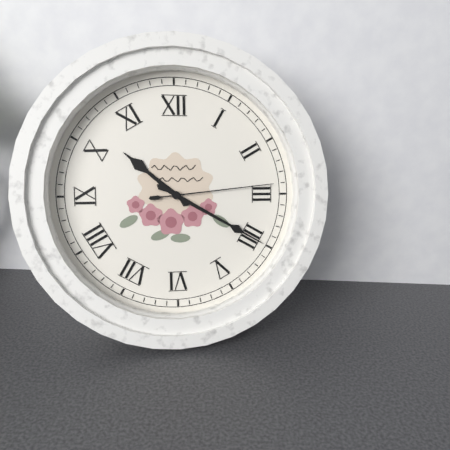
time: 10:20:14
